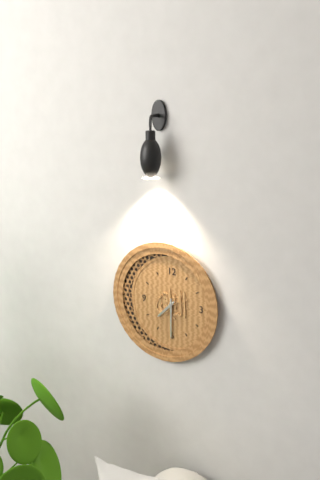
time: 7:30
